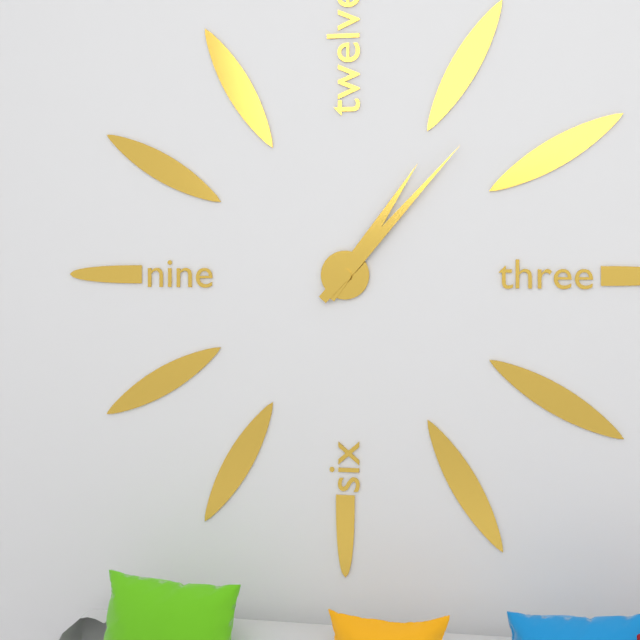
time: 1:07
